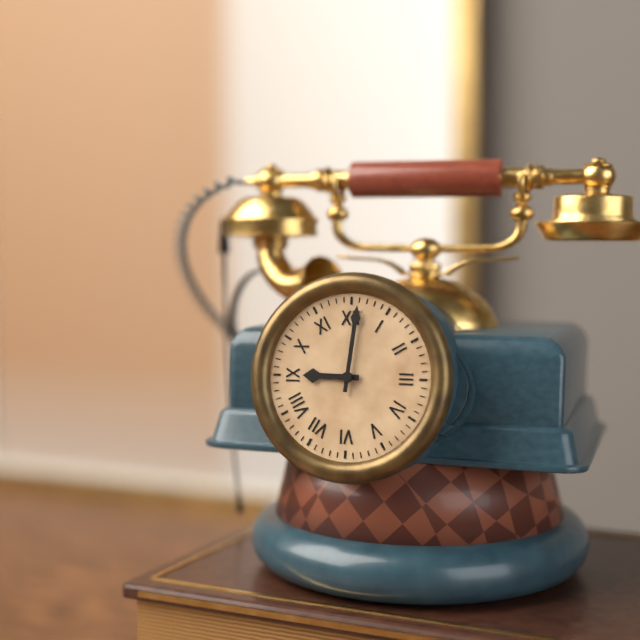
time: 9:01
